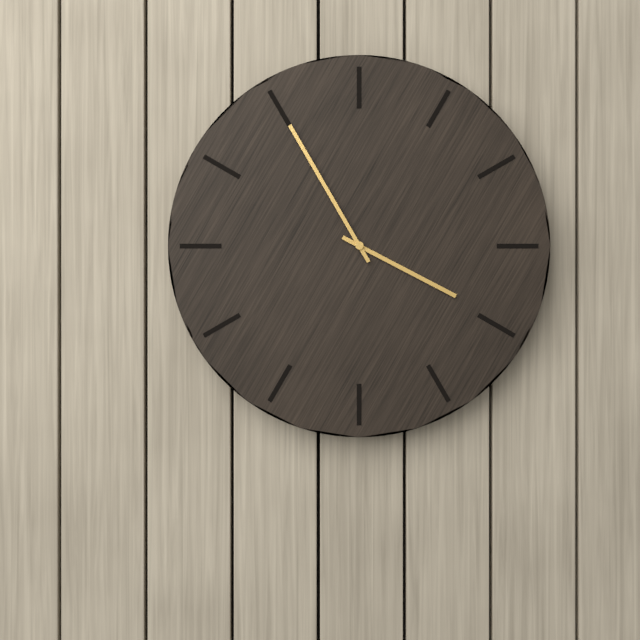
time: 3:55
